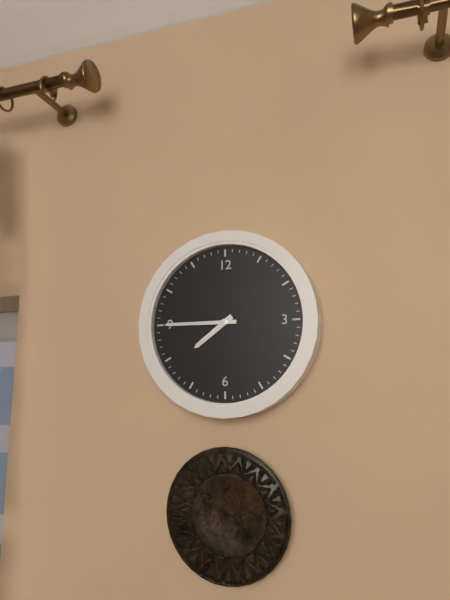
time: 7:45
